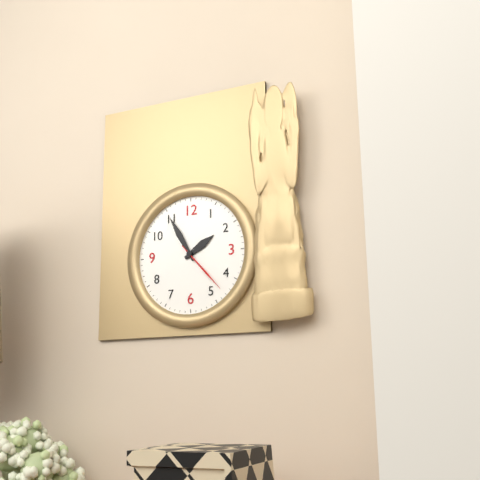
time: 1:55:23
